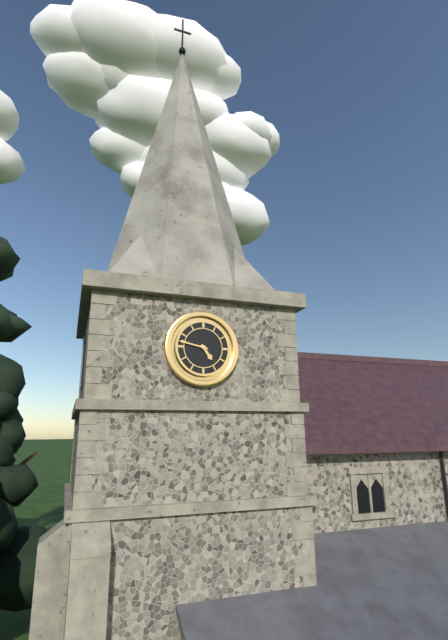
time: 4:47
